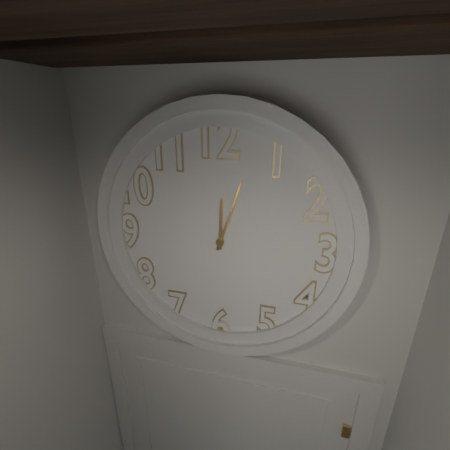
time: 12:03
